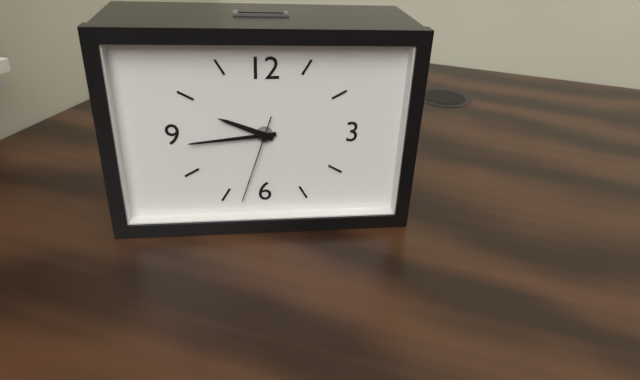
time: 9:44:33
